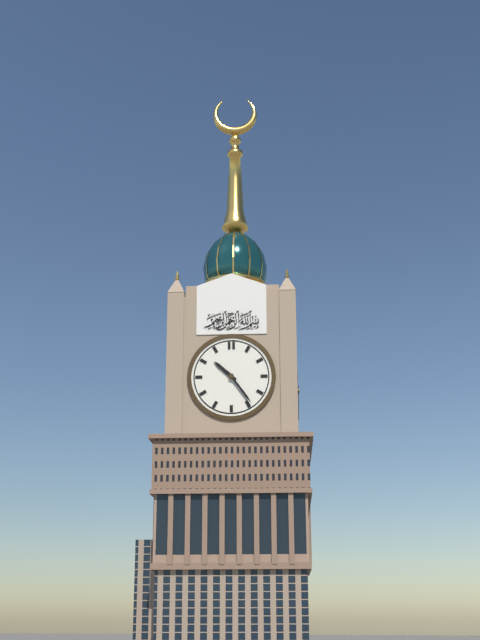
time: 10:24
